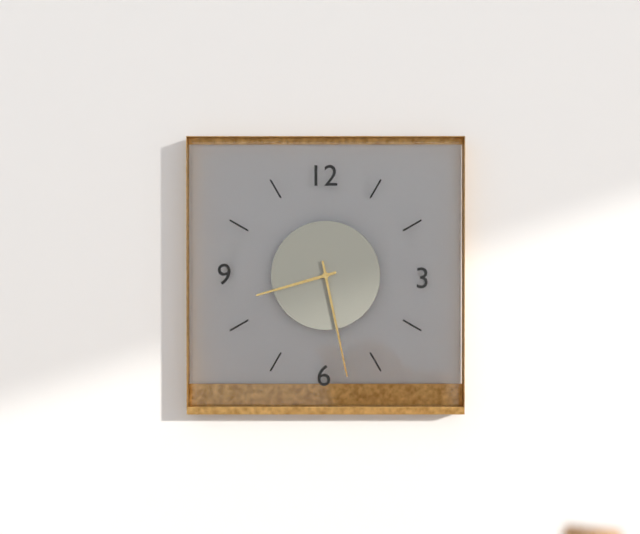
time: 8:28
